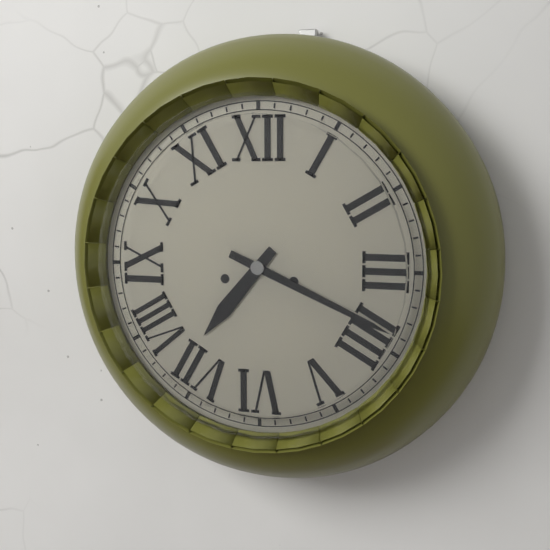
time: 7:19
